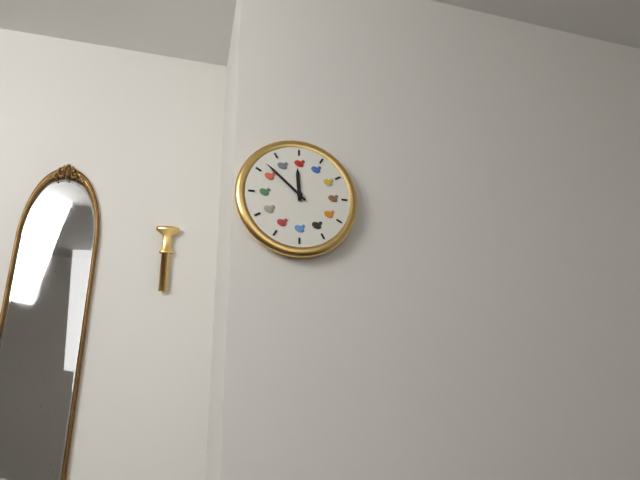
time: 11:52
